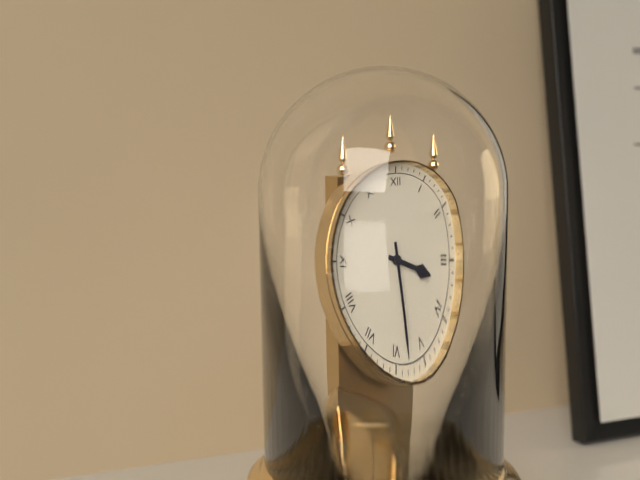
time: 3:28
